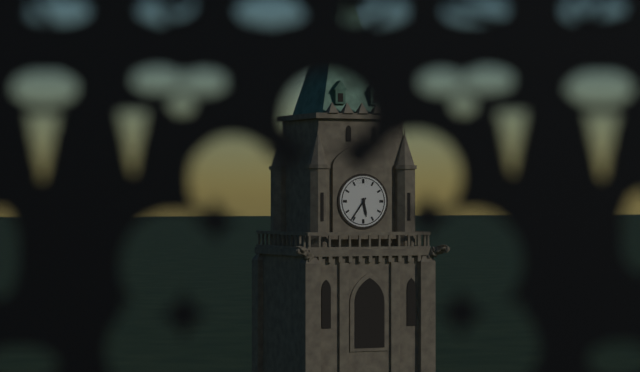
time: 5:36
